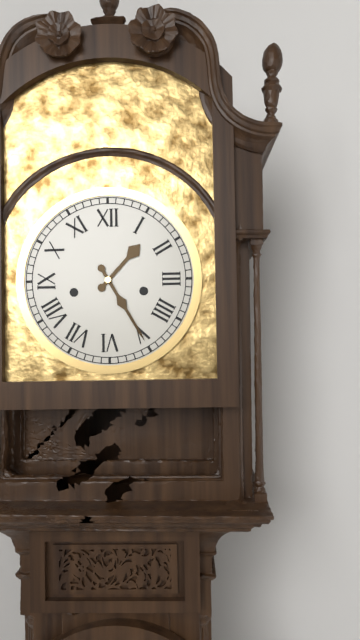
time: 1:25
